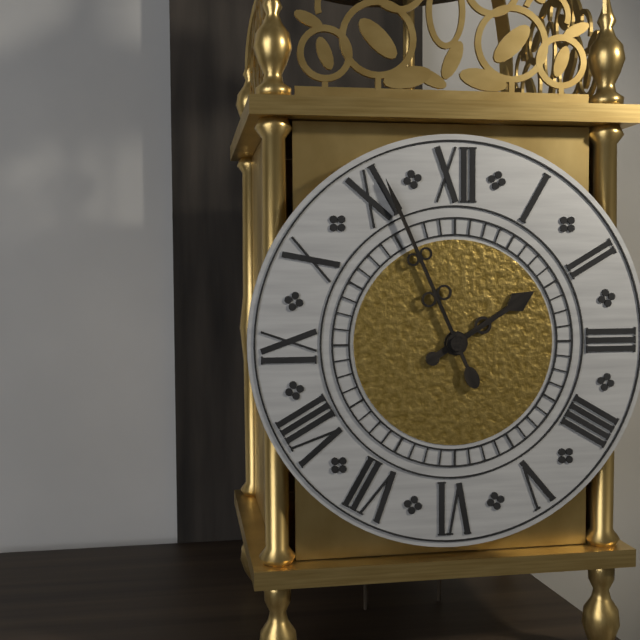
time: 1:56
